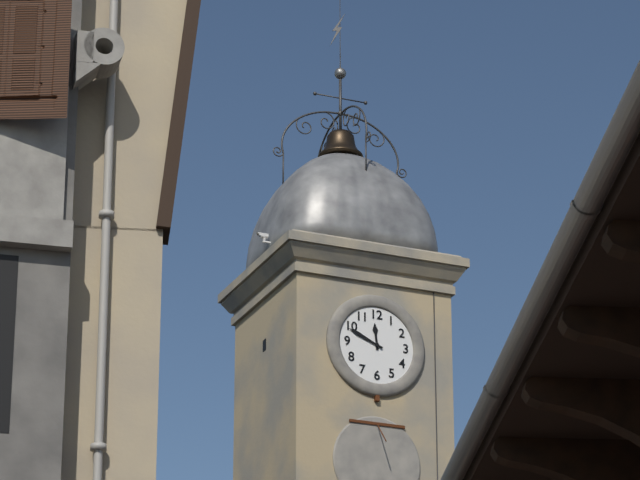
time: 11:49
